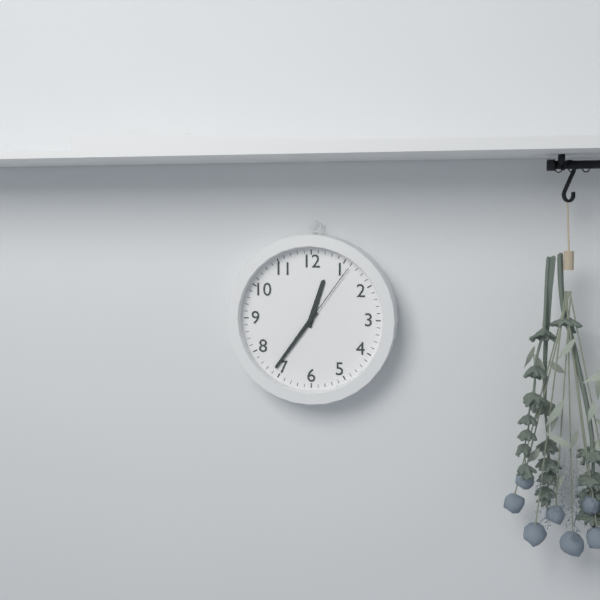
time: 12:36:06
